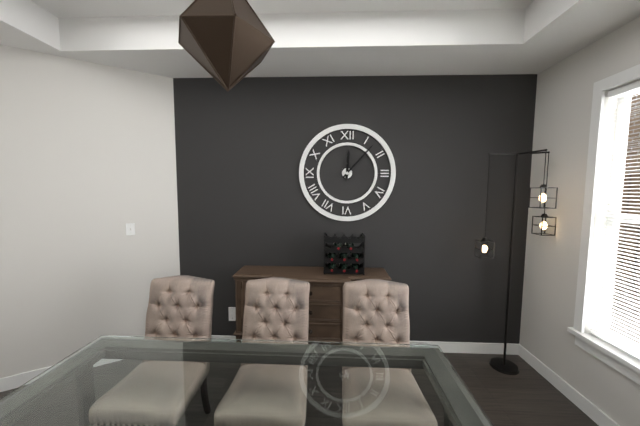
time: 12:07
